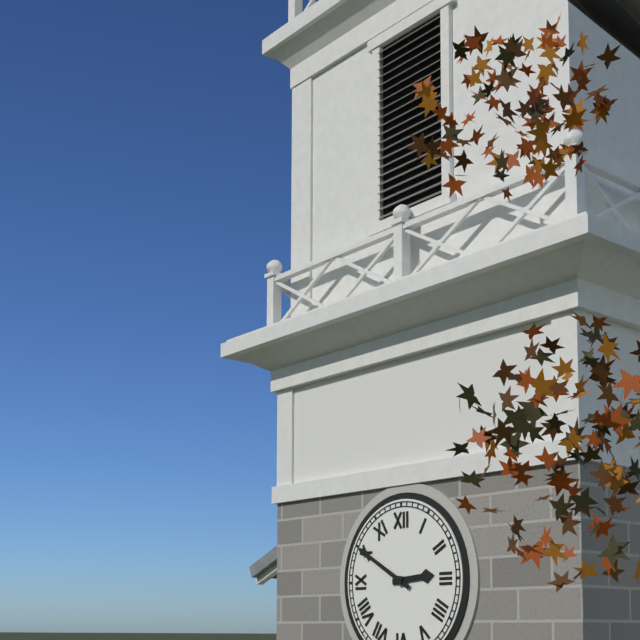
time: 2:50
